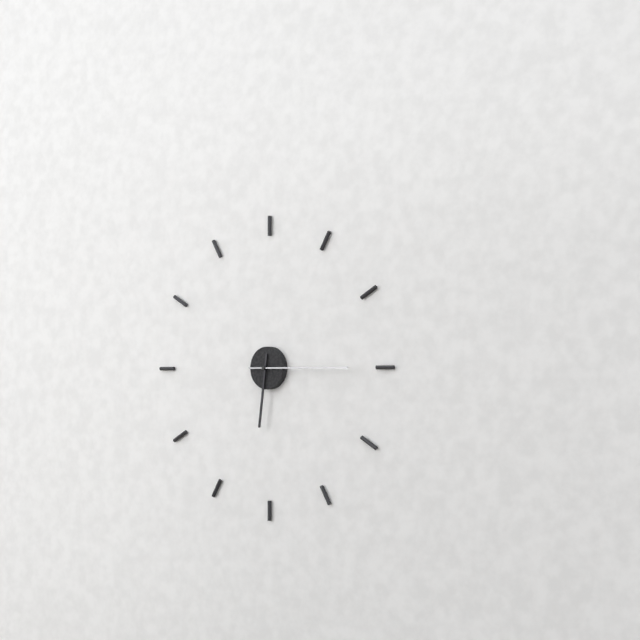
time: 6:15
